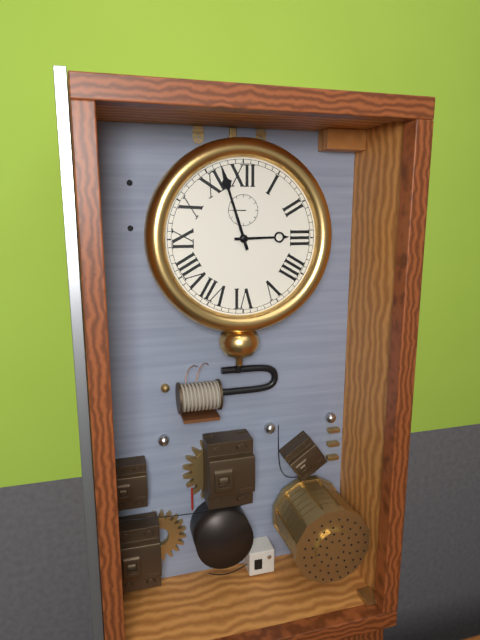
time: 2:57
